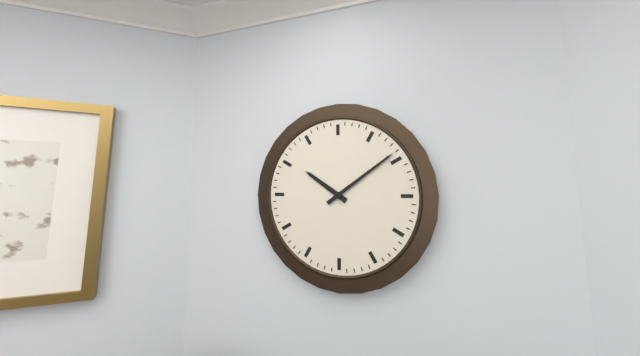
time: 10:09
